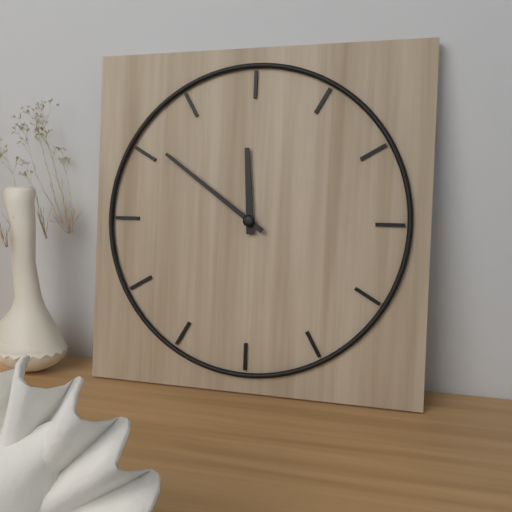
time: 11:51
